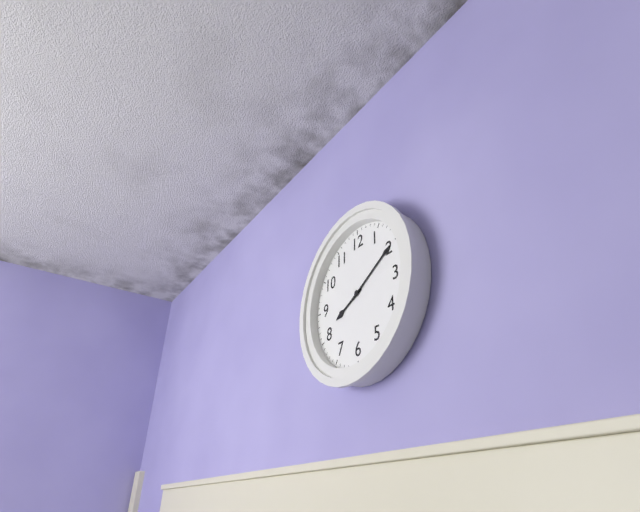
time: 8:10
